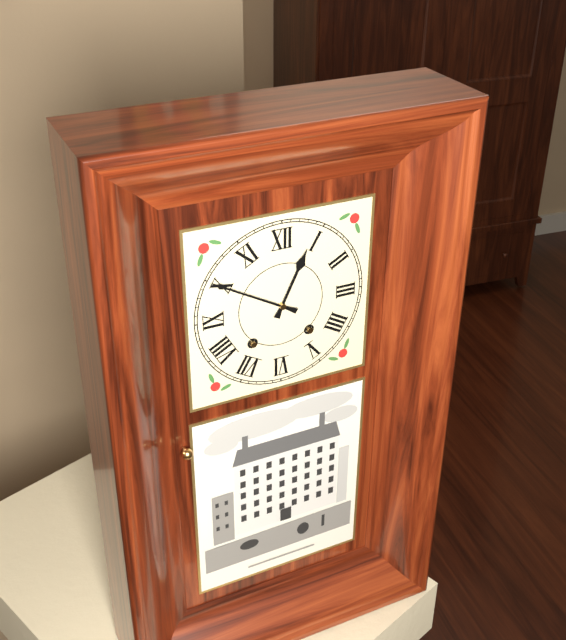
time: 12:50
